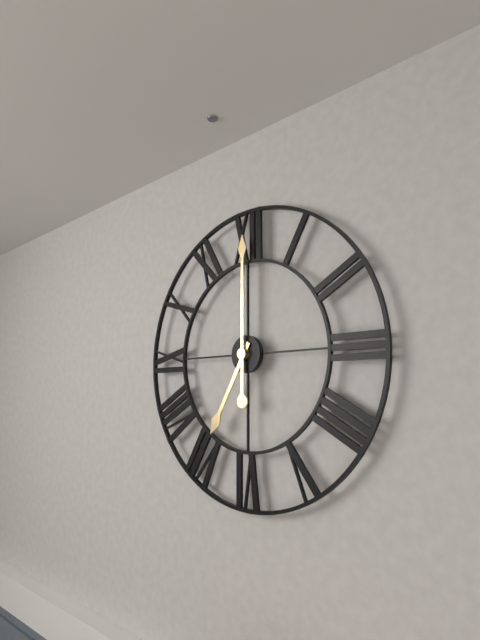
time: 7:00
